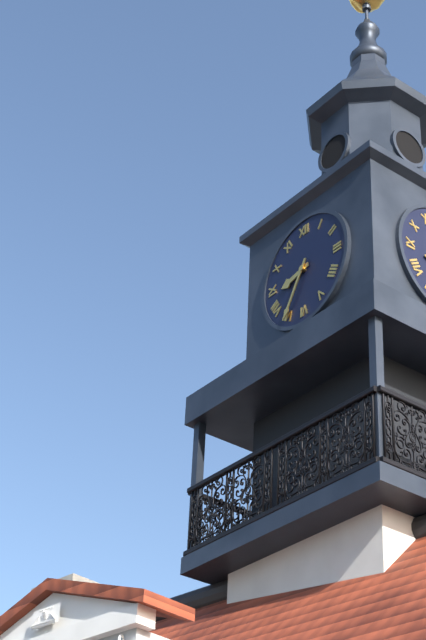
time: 8:35
